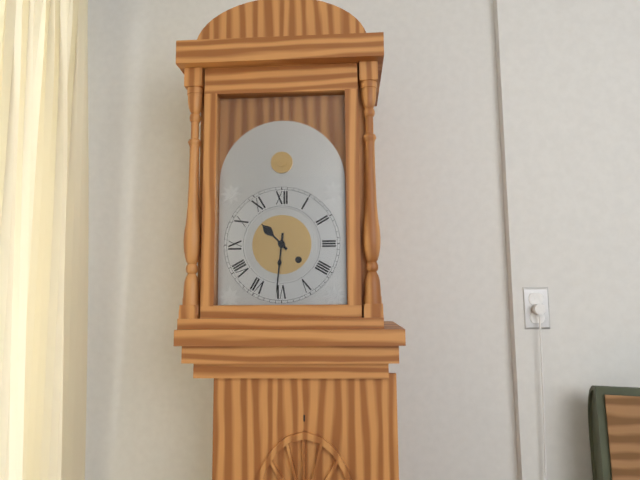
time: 10:31
